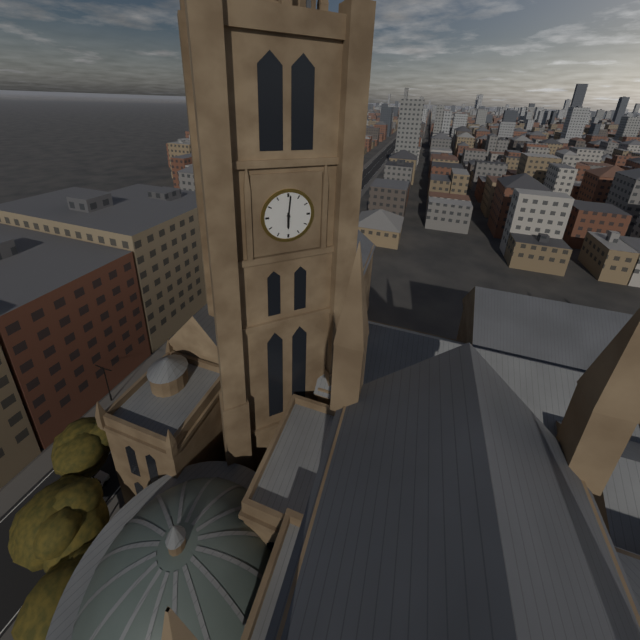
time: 6:01
